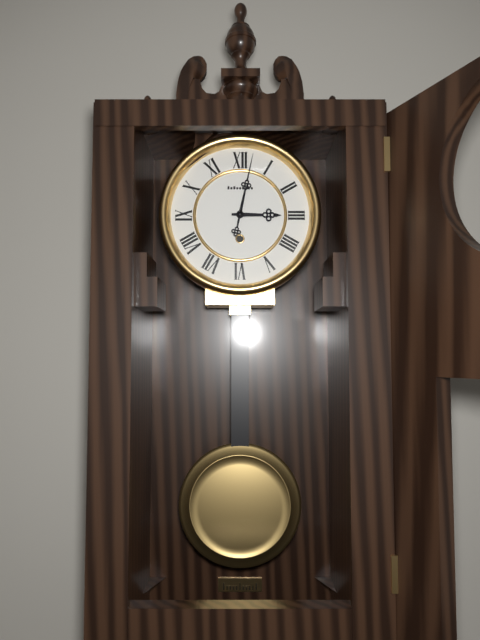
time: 3:02
